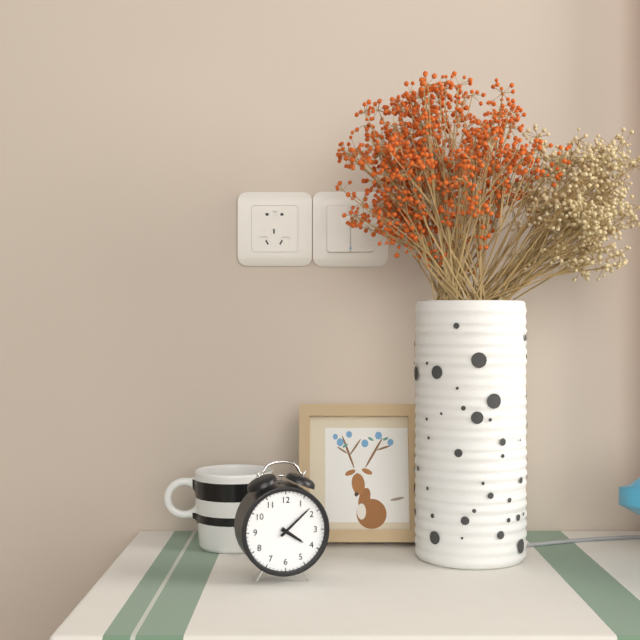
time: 4:08
